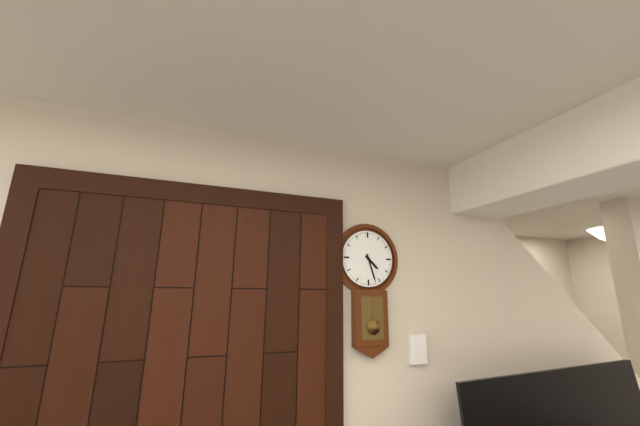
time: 4:27
